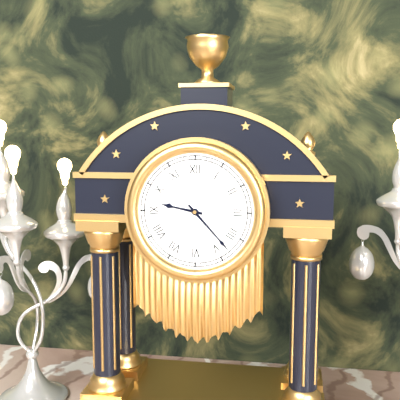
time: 9:23
